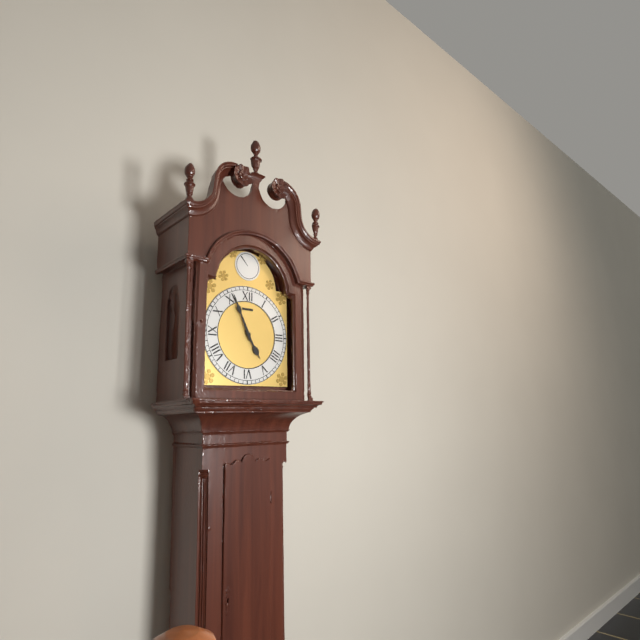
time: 4:56
